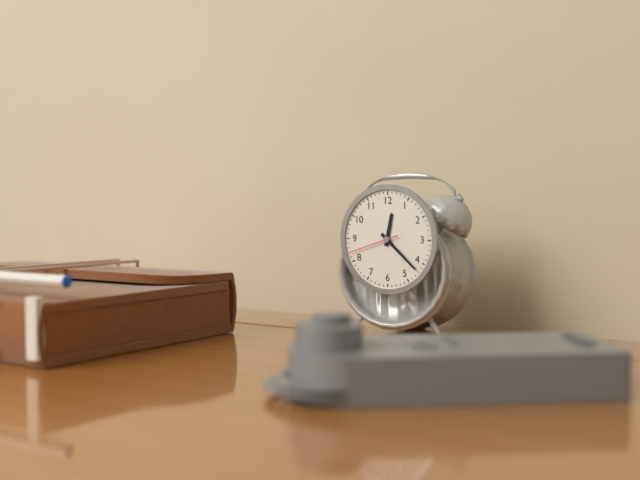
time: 12:22:42
